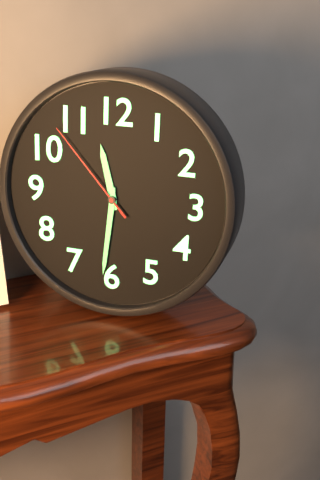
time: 11:31:53
